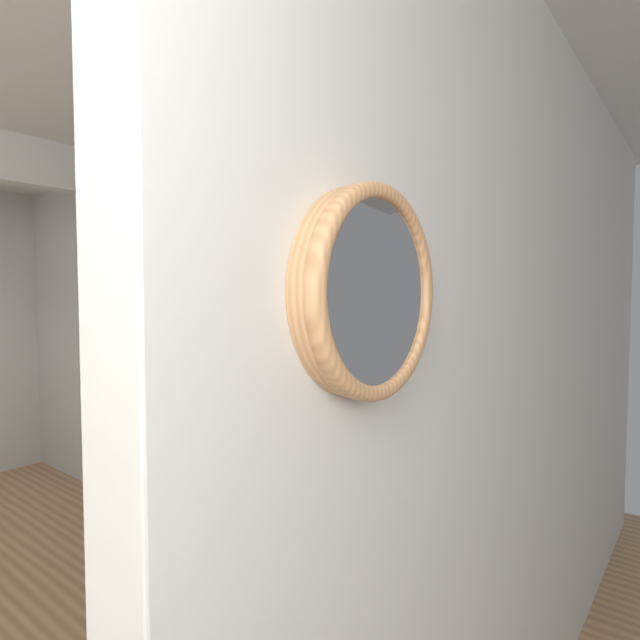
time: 5:53
